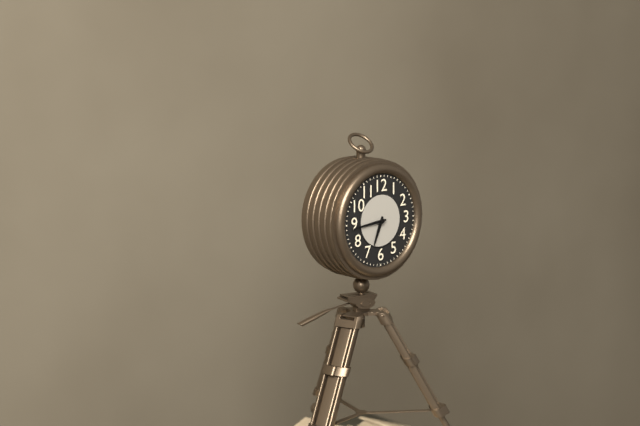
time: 6:44
